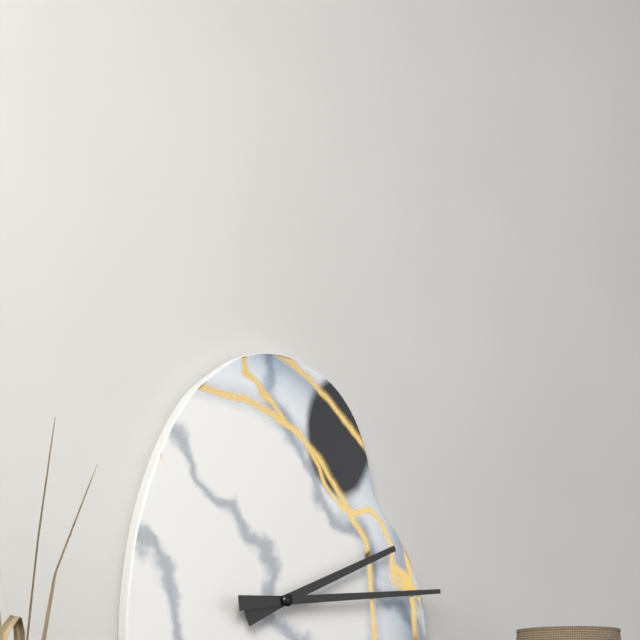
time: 2:14
